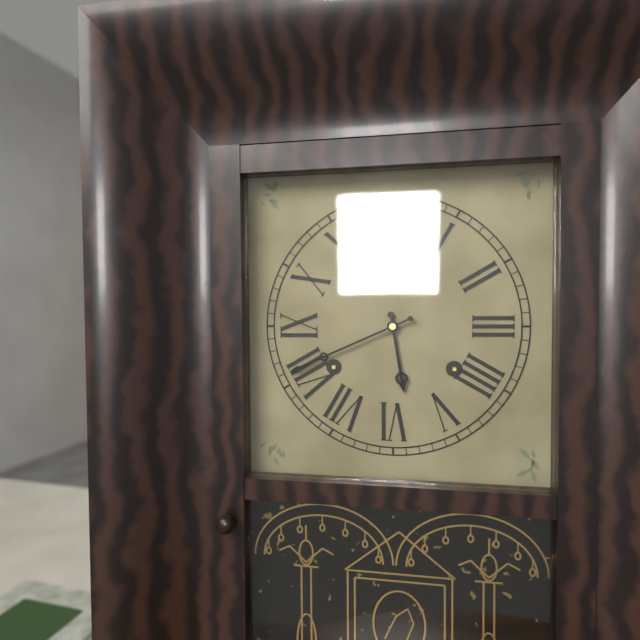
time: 5:41
